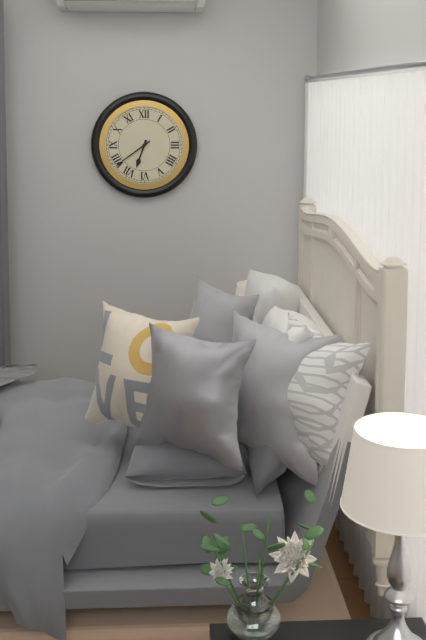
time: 6:39
